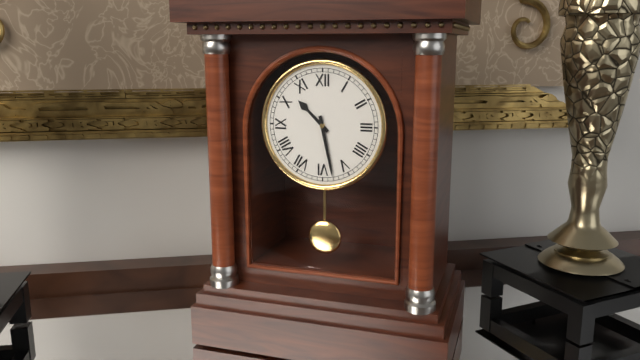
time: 10:28
